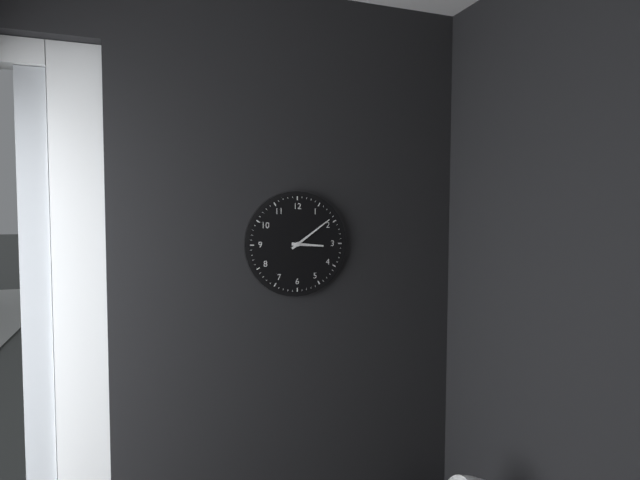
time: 3:09
